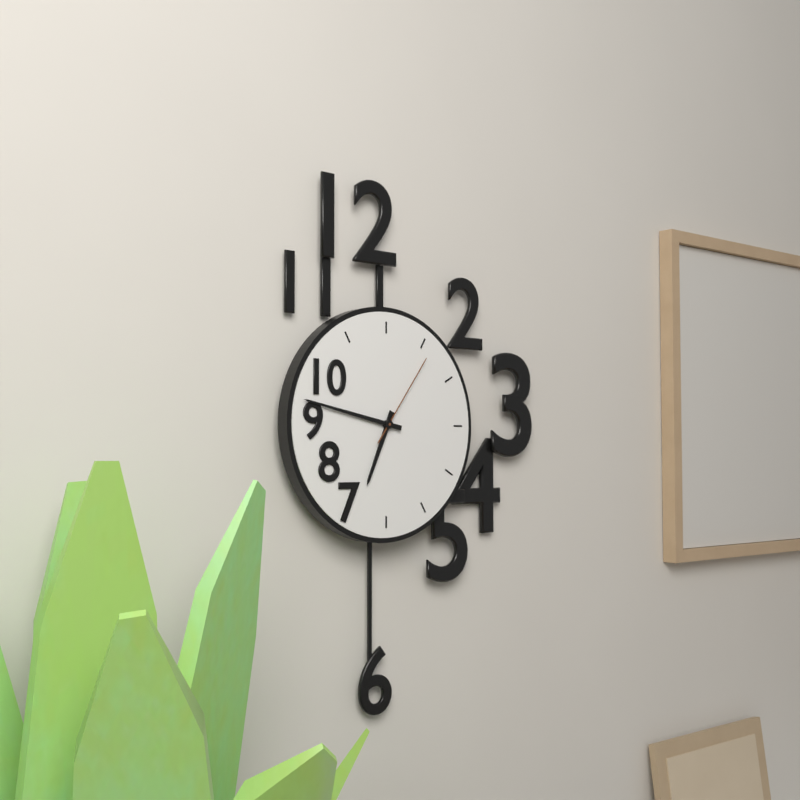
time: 6:47:06
